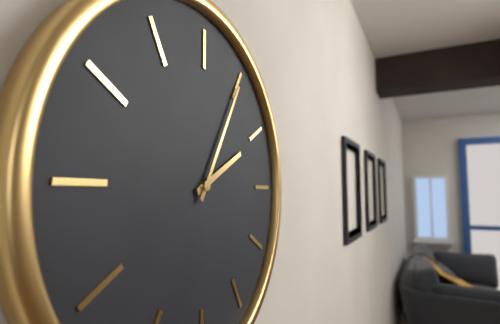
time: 2:05
